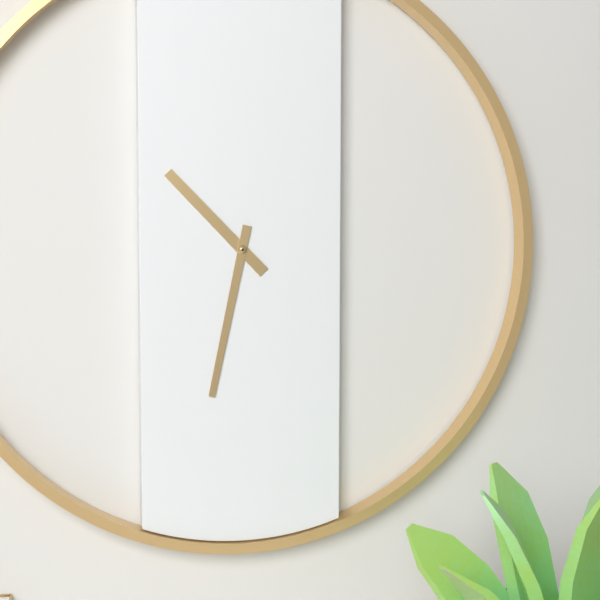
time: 10:32
